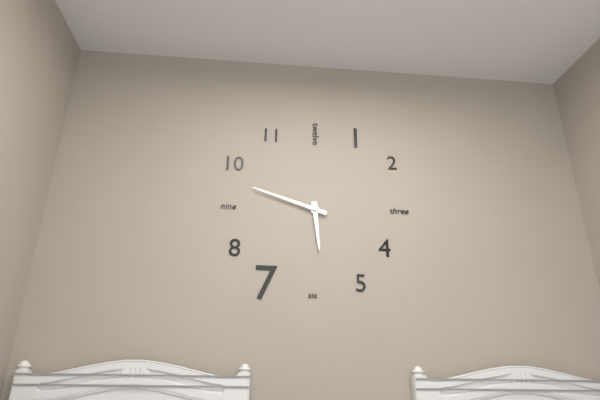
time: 5:48
